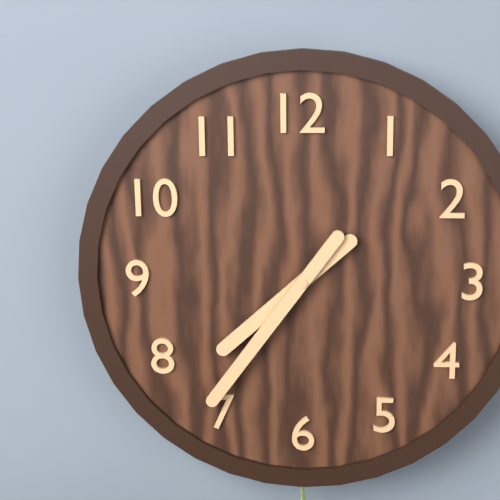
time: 7:36
